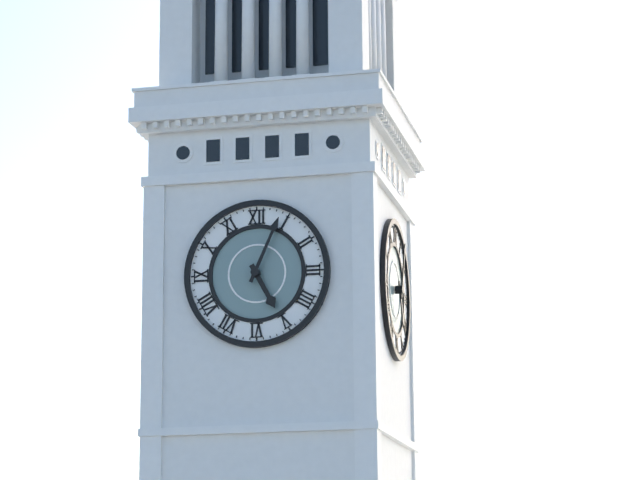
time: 5:04
